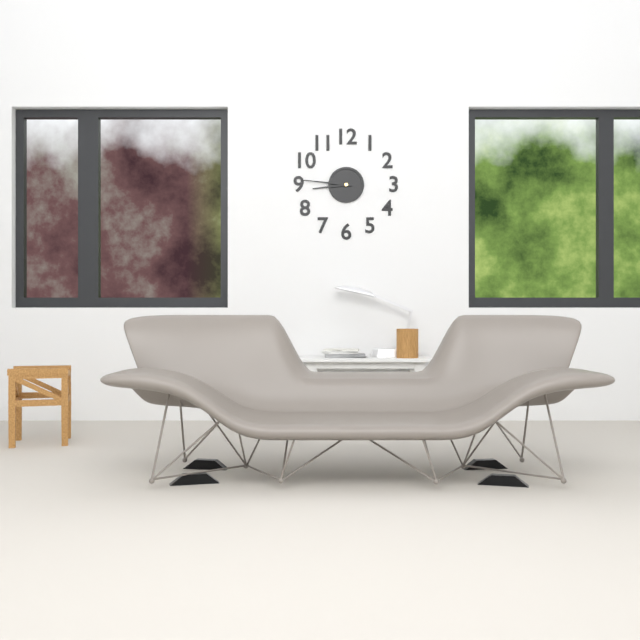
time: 8:46
